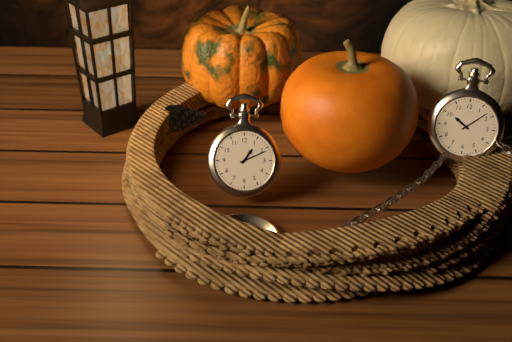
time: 1:11
